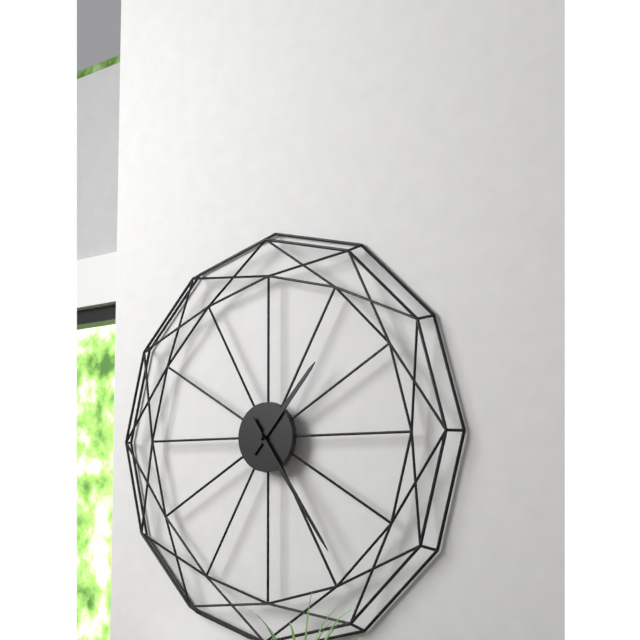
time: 1:24
